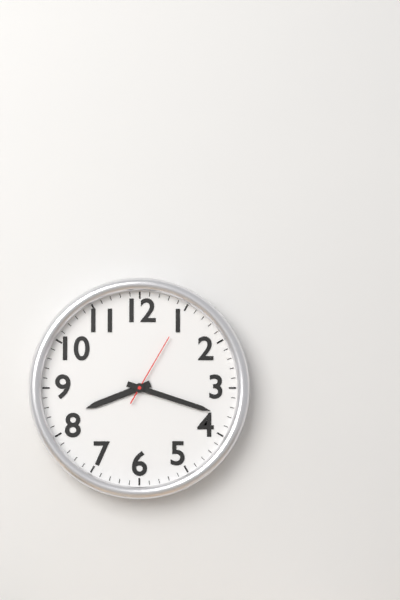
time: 8:18:05
